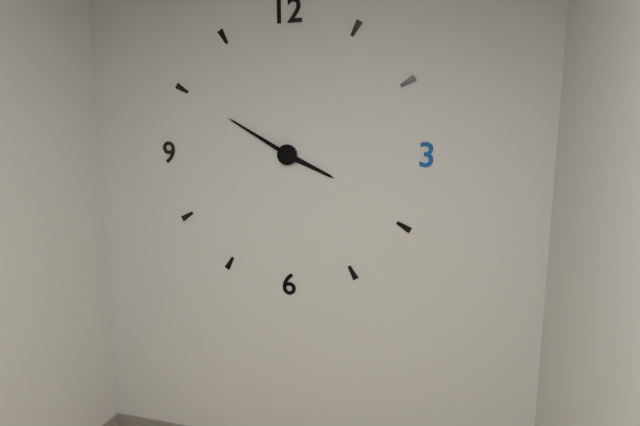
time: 3:50
